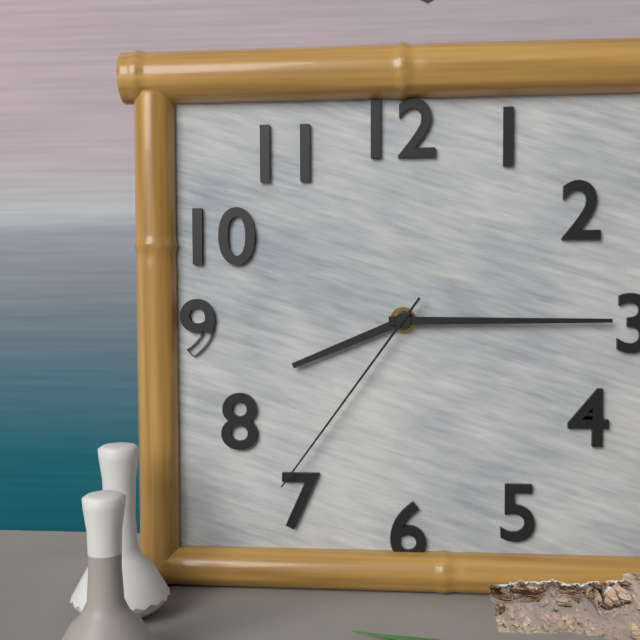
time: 8:15:36
